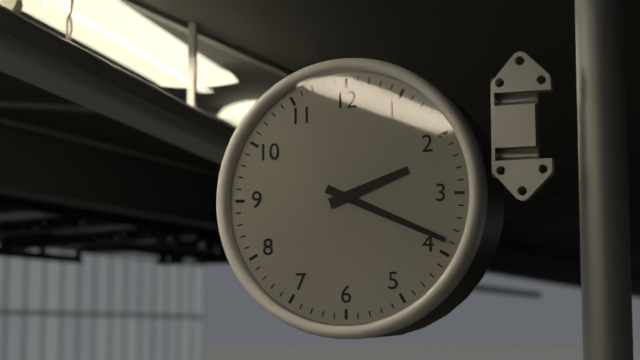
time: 2:19
